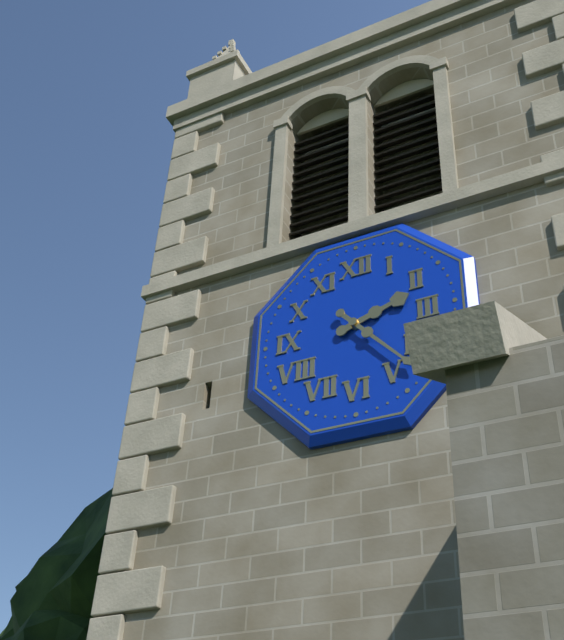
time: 2:23
